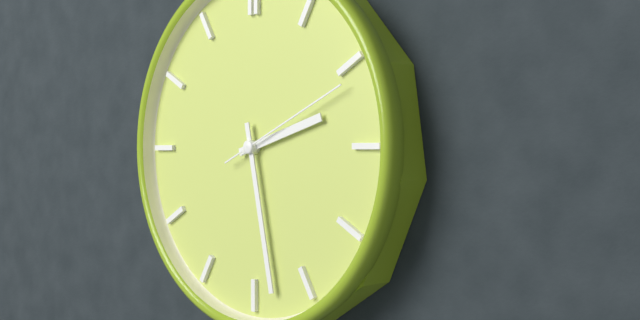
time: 2:28:11
